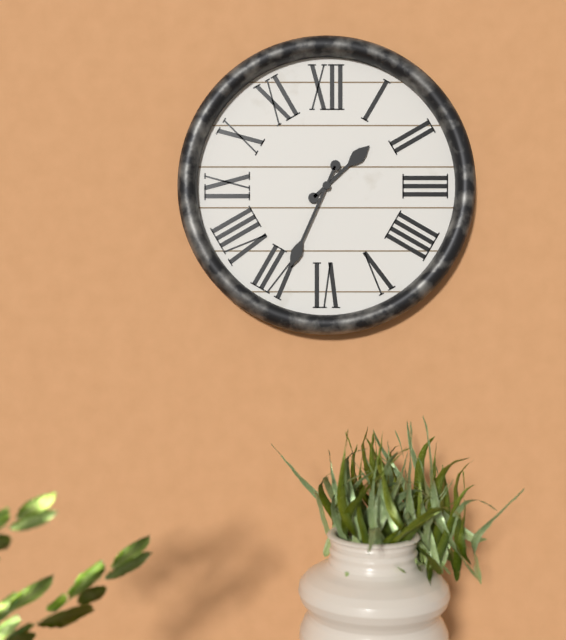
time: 1:34
